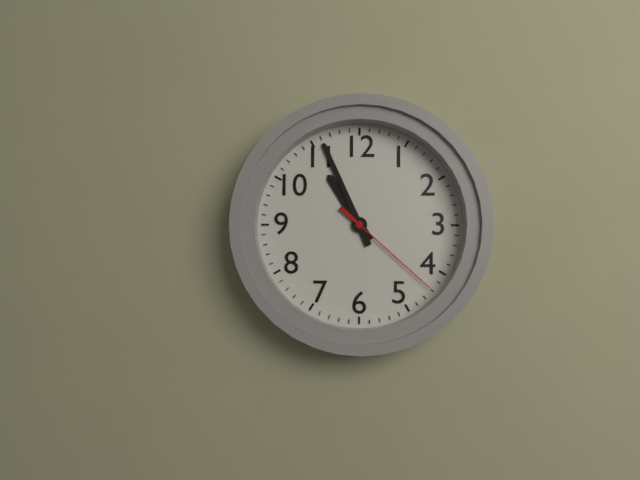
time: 10:56:22
